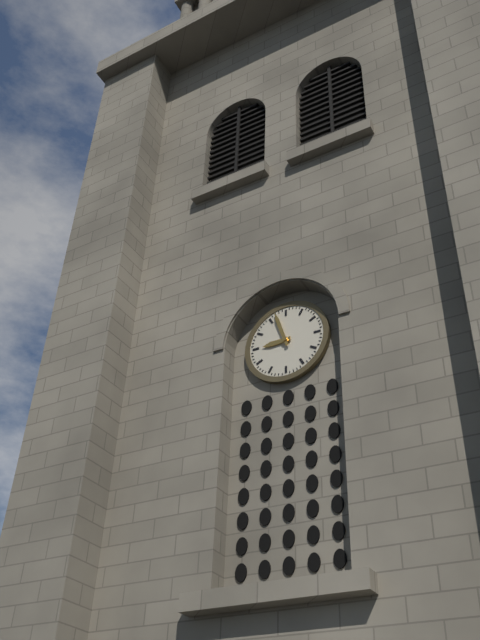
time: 8:57
